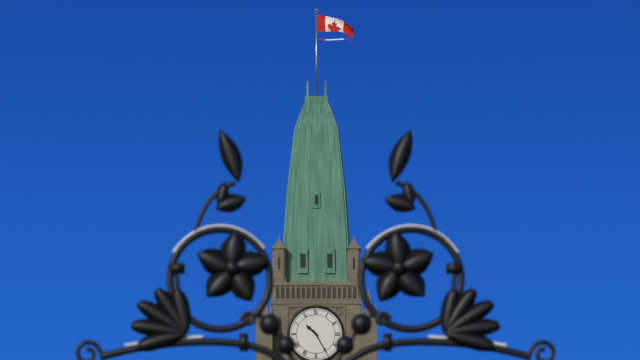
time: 10:25
